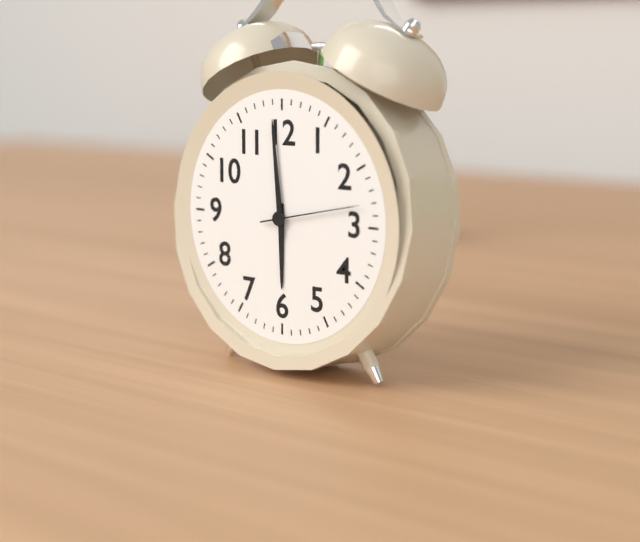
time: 5:59:13
